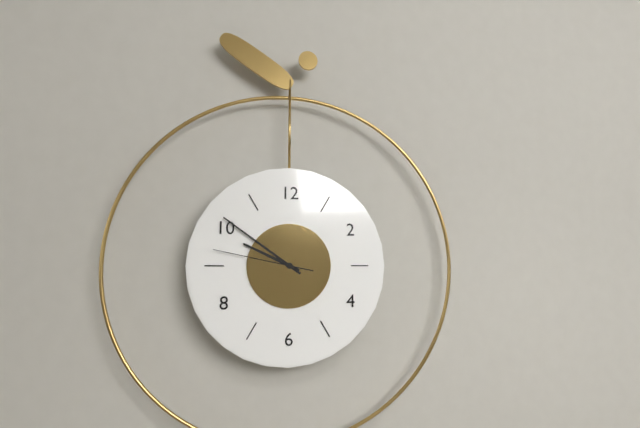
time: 9:51:47
